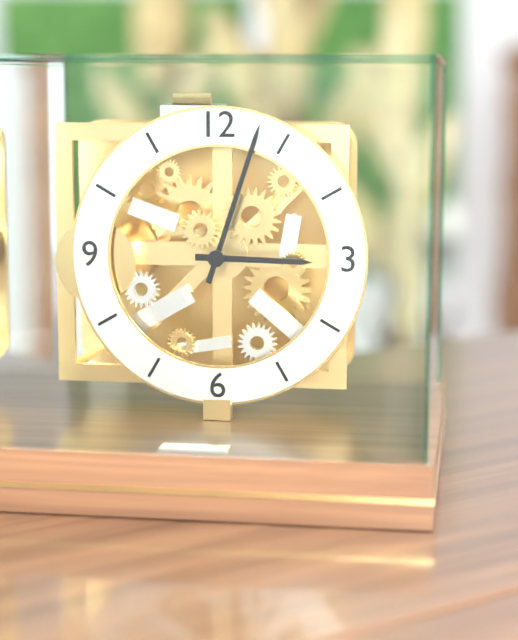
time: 3:03
